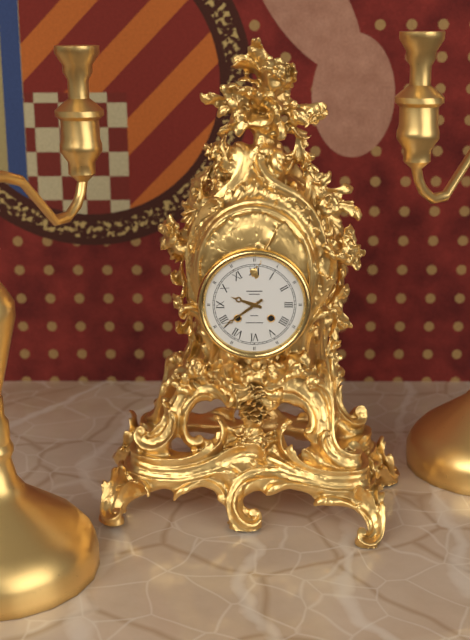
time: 9:39
